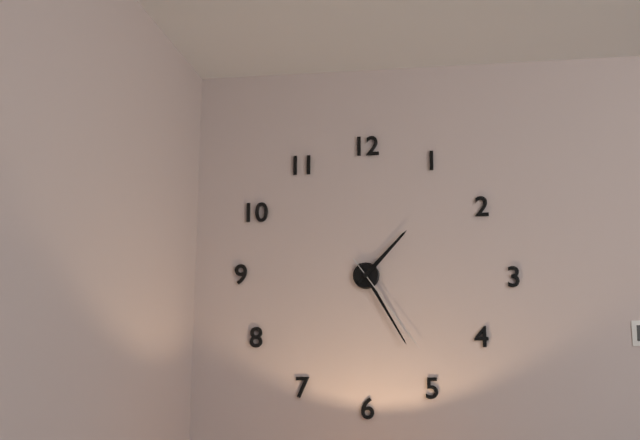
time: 1:25:24
